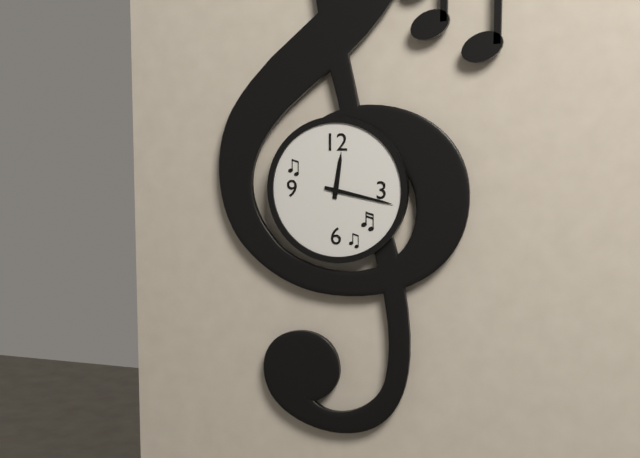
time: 12:17
